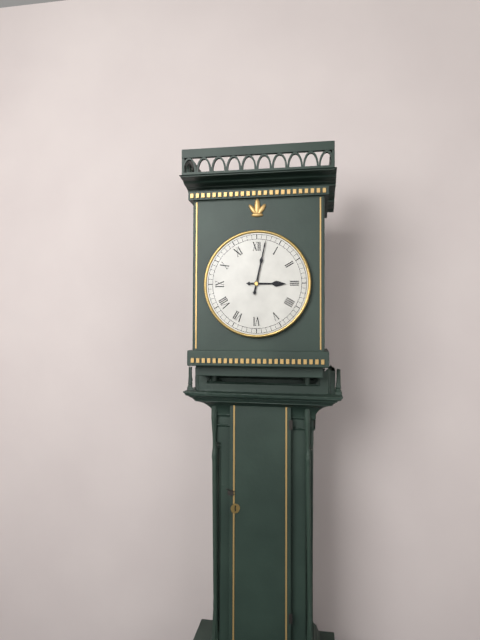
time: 3:02
